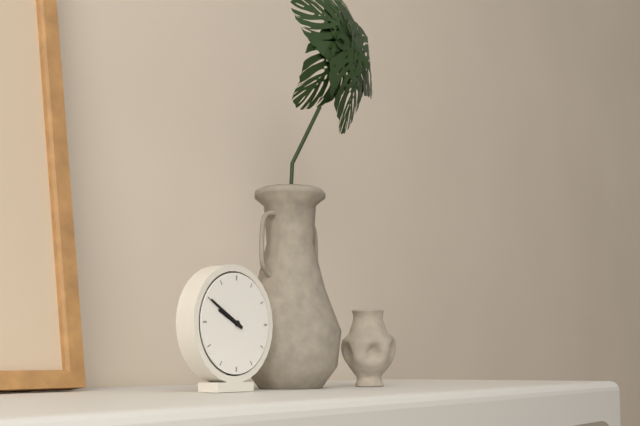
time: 9:50
